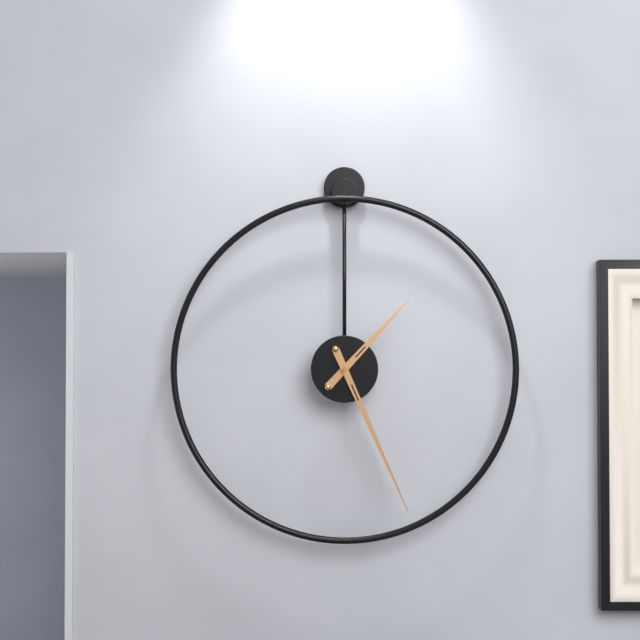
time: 1:26
